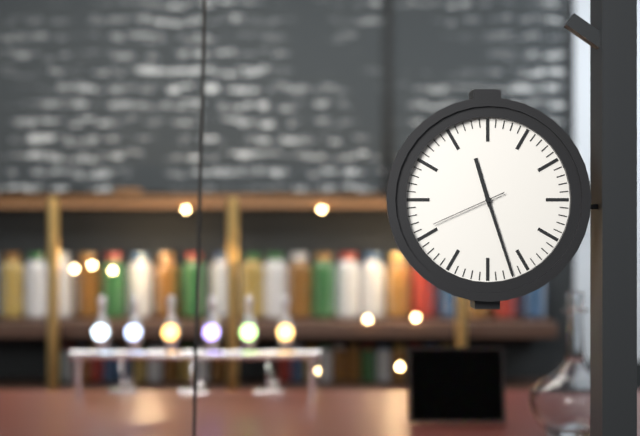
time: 11:27:41
